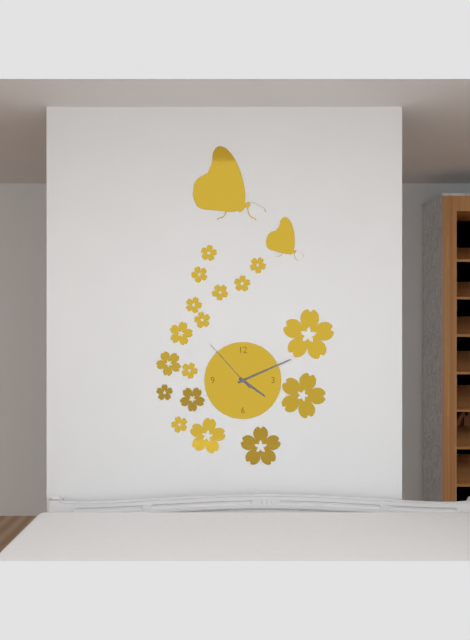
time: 4:11:53
